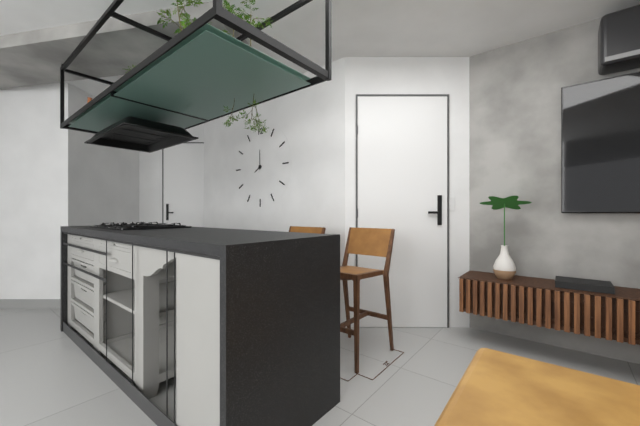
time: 8:00
